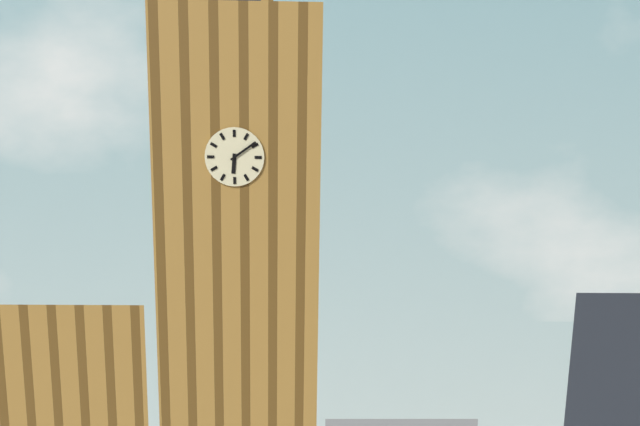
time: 6:09
